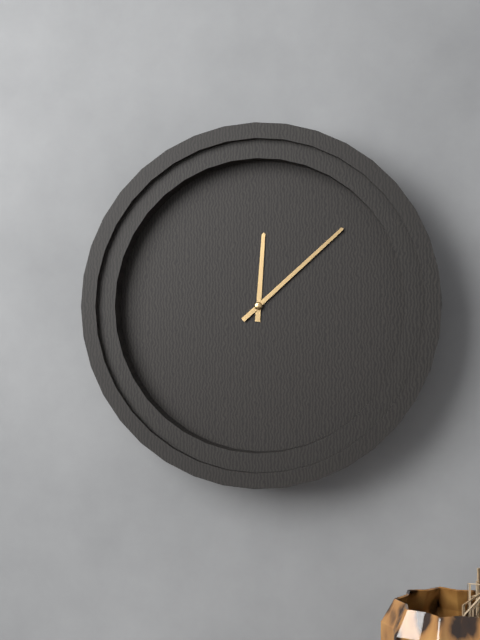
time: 12:08
